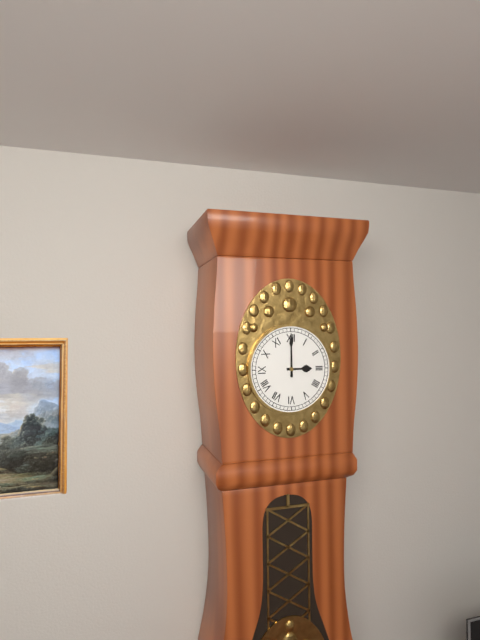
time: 3:00
